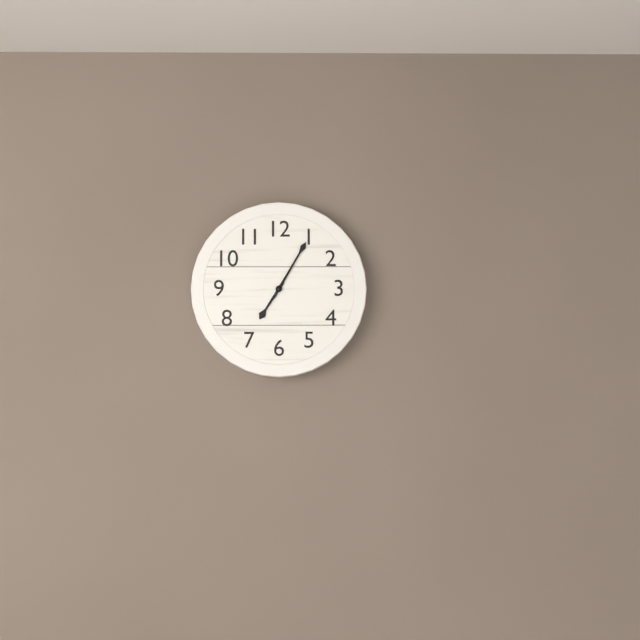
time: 7:05
